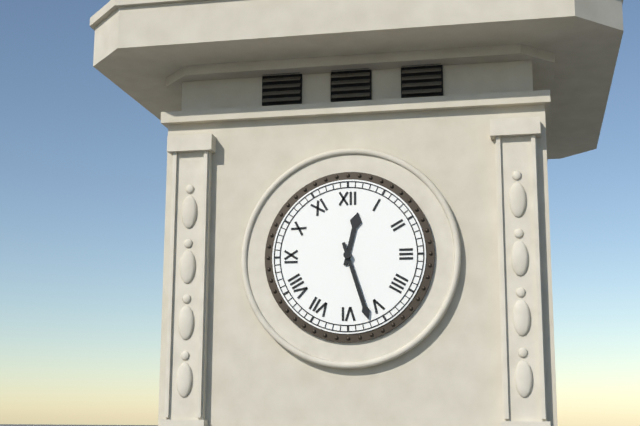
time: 12:27
